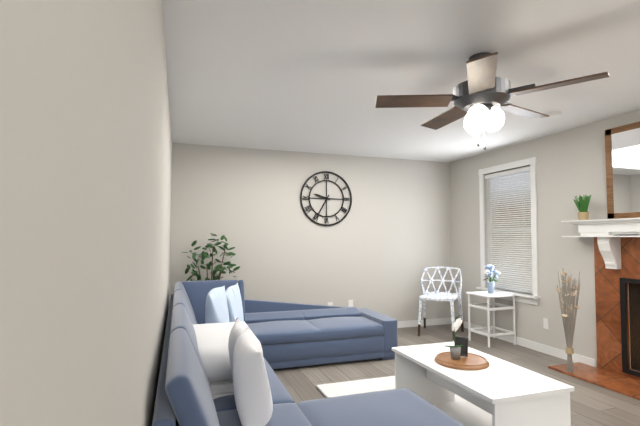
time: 9:35
